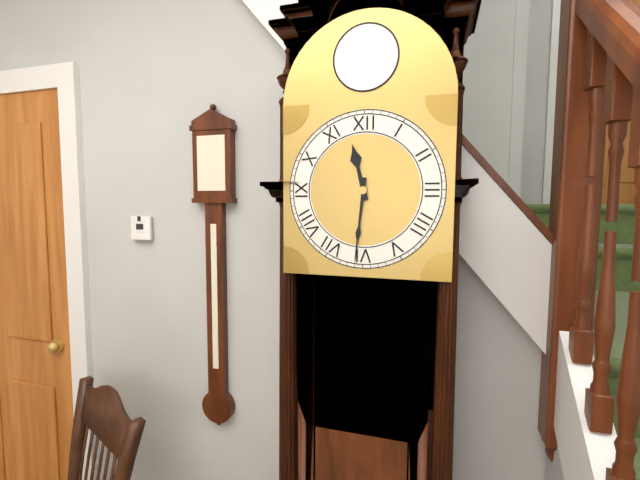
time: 11:31
